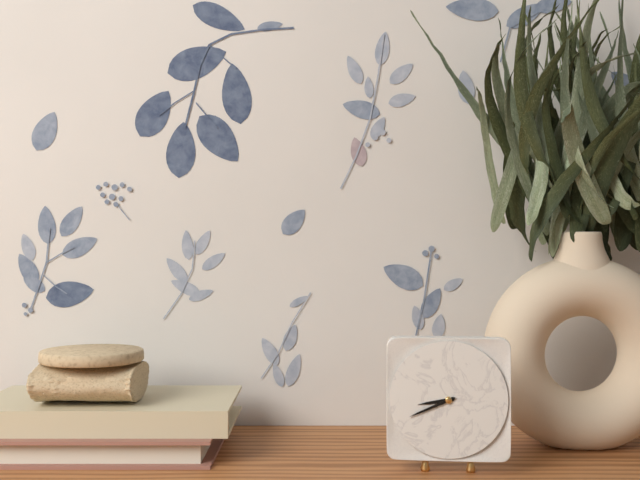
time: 8:41
